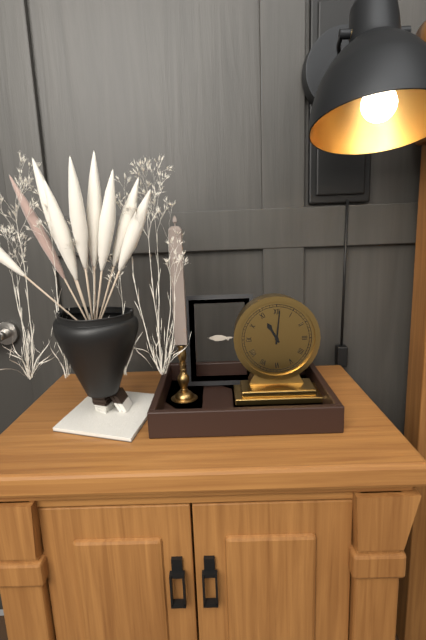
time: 11:01
